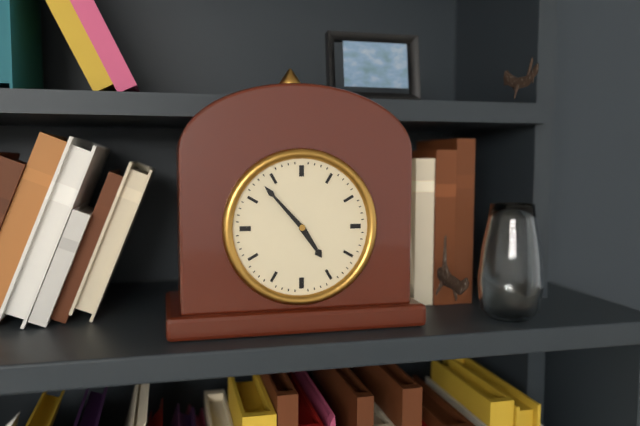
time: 4:53
